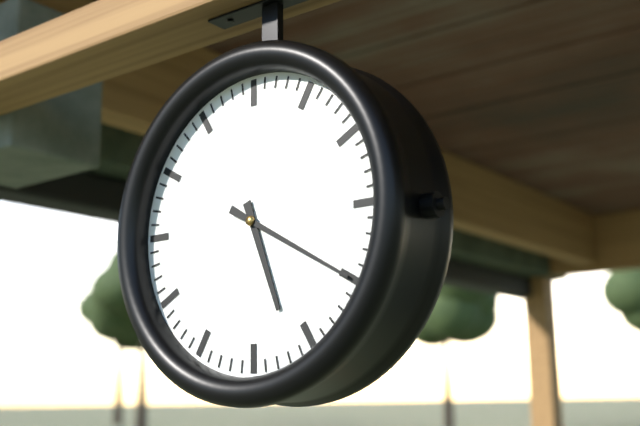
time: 5:20
